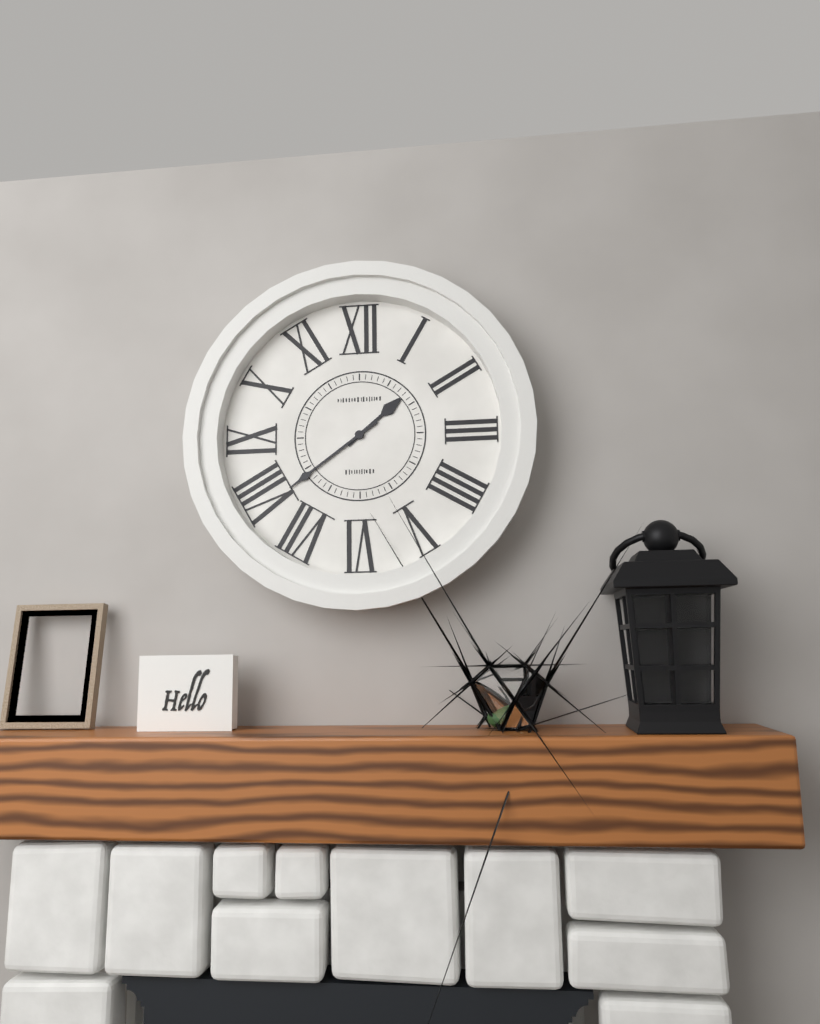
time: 1:39
